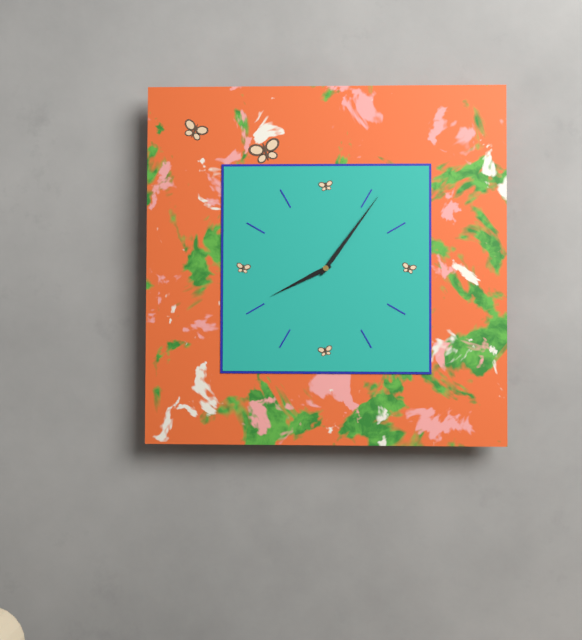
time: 8:06
